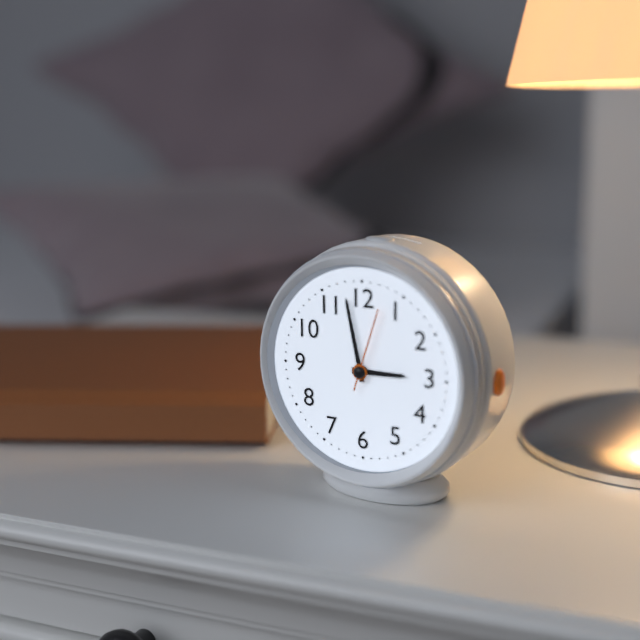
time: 2:58:03
